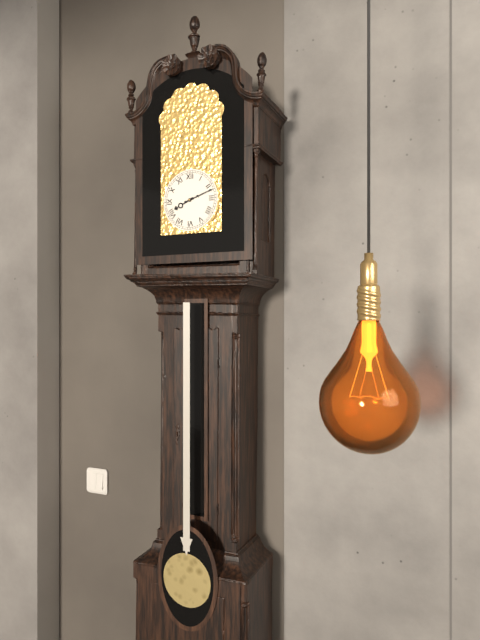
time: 8:12
